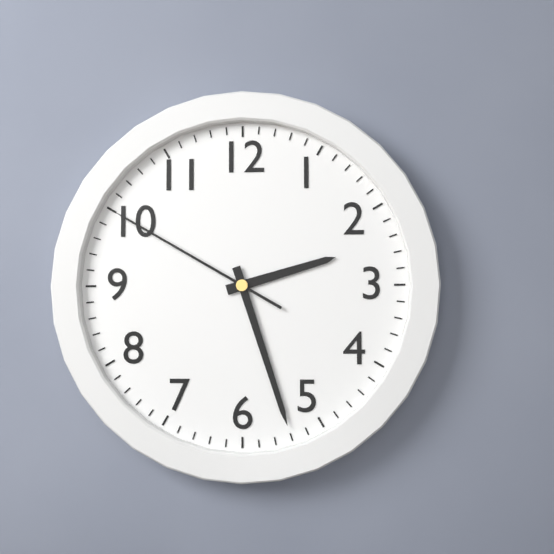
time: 2:27:50
